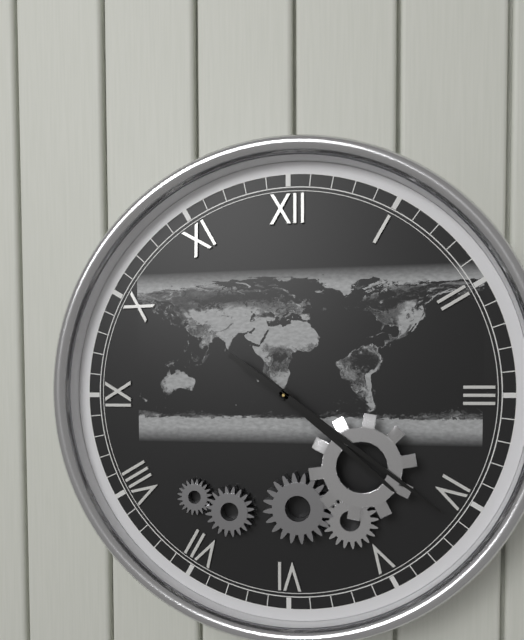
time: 4:21
